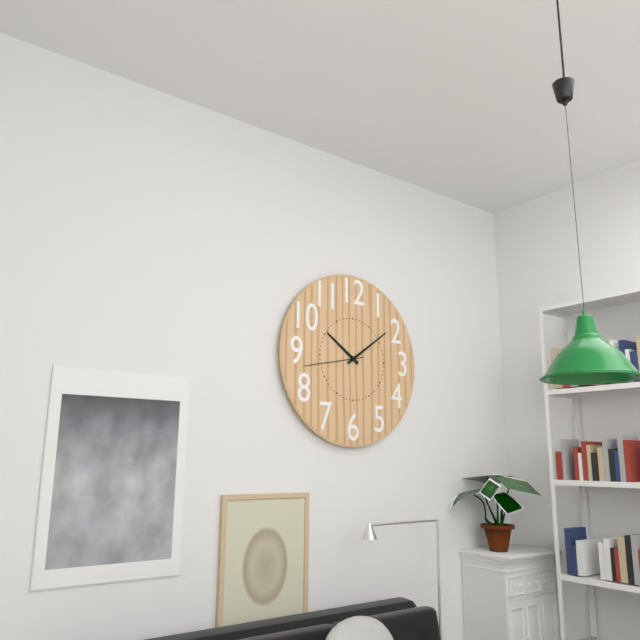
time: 10:09:43
